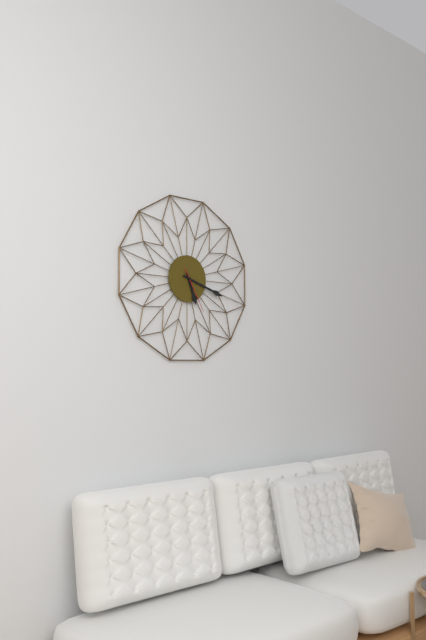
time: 5:18
